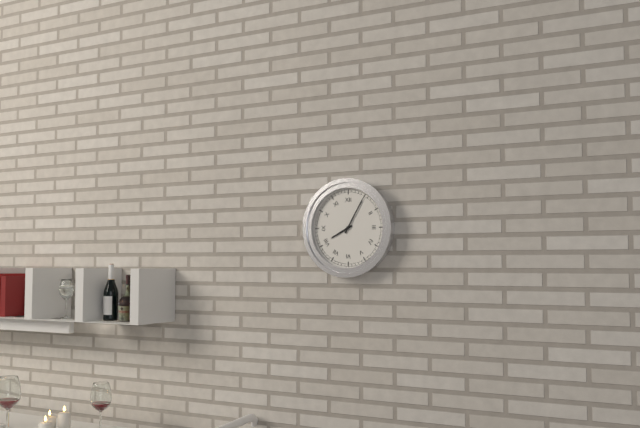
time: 8:05
